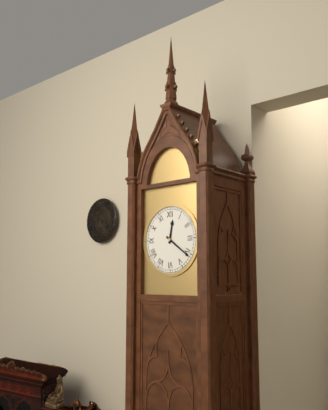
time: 12:21
